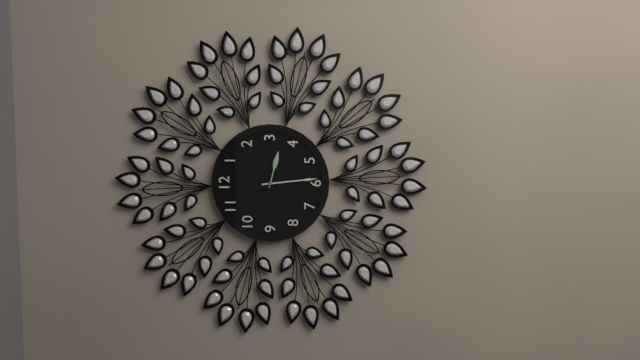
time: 3:29
